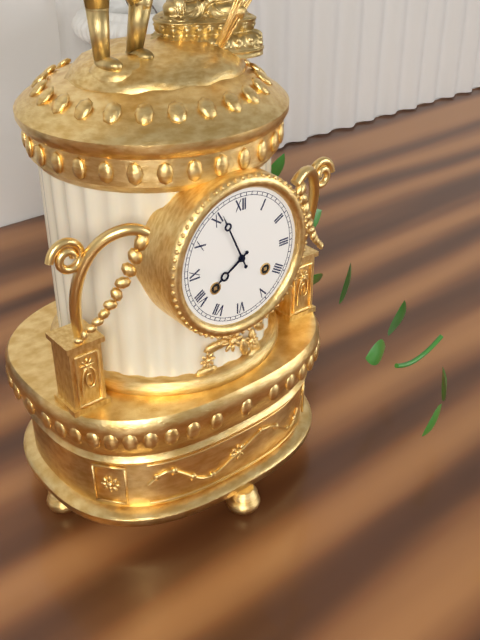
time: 7:56
